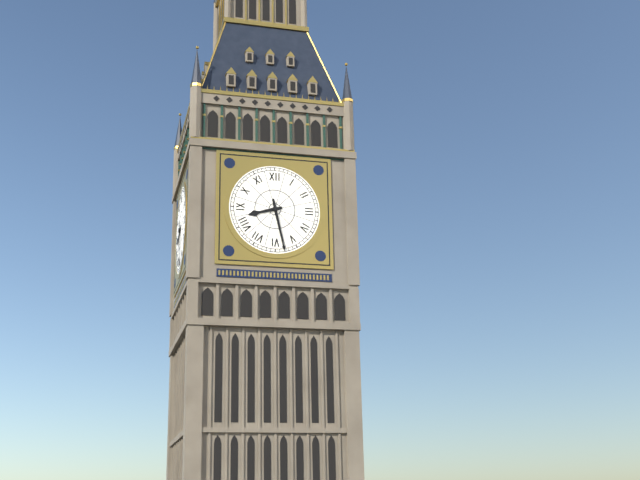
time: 8:28
